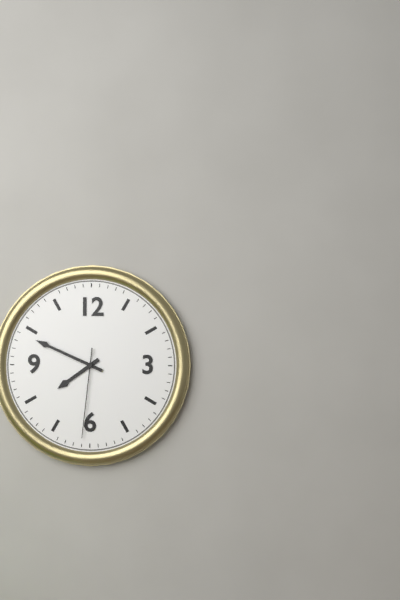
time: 7:49:31
